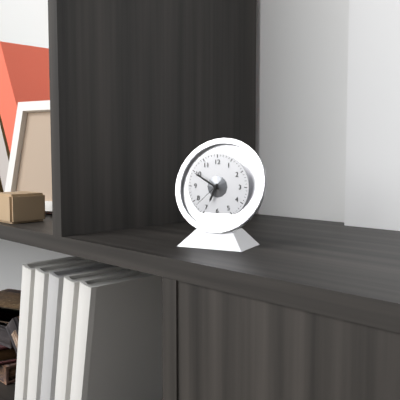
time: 6:50
